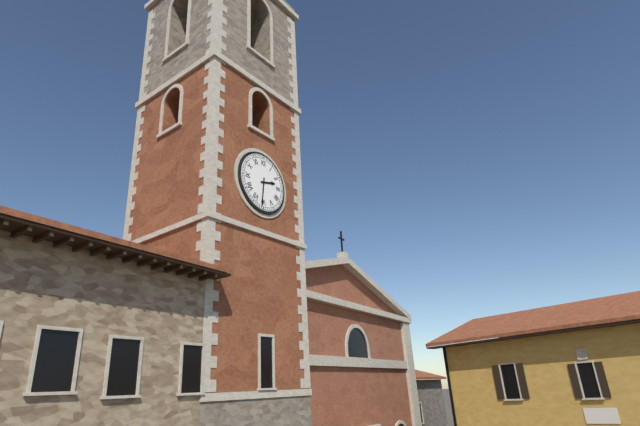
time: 2:31
